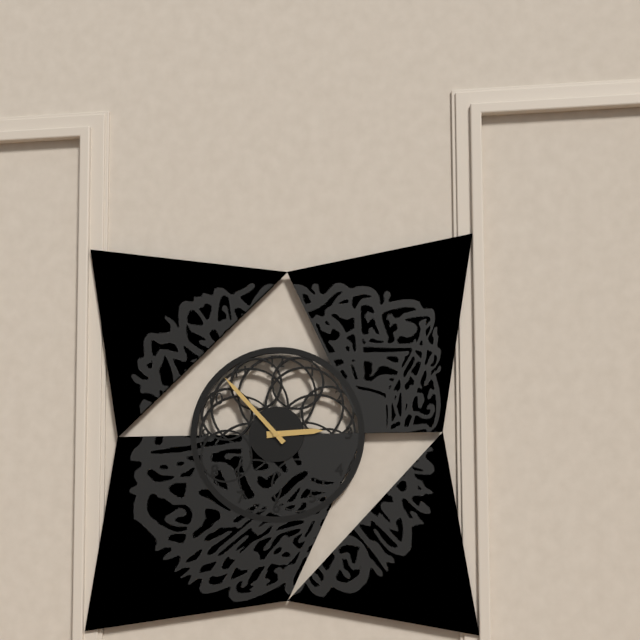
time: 2:53
